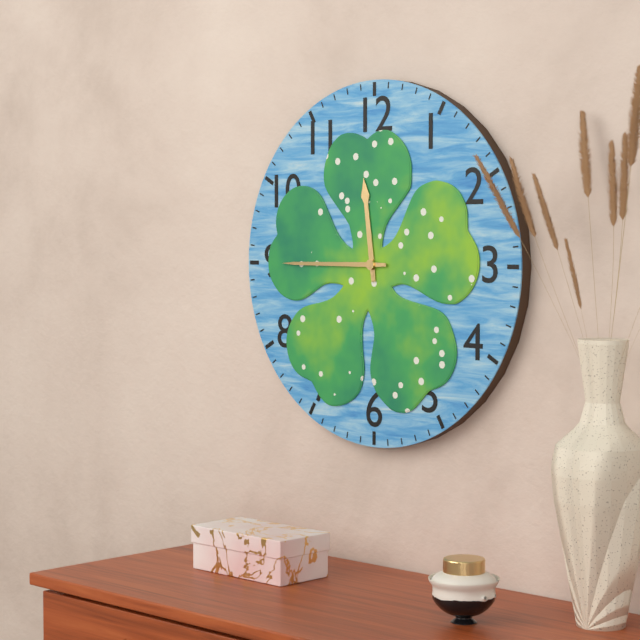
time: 11:45
